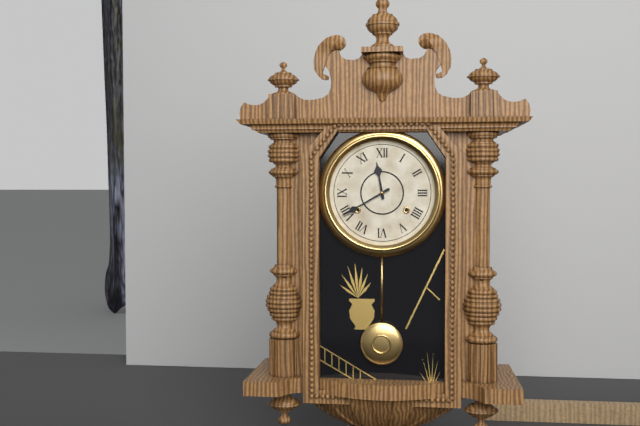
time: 11:40
